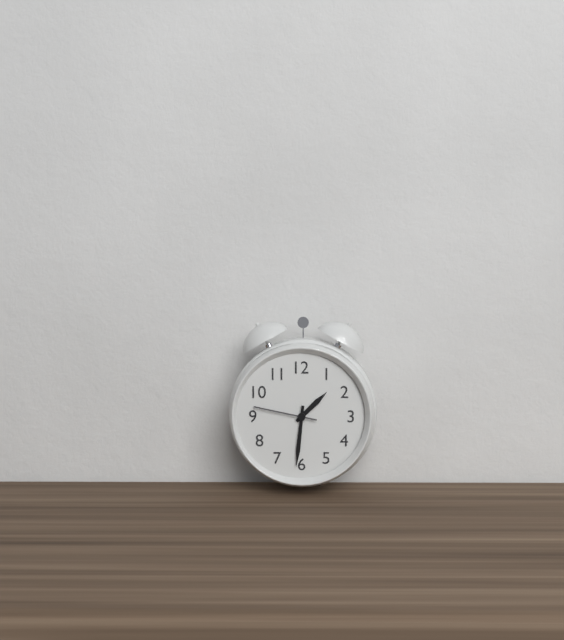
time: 1:31:47
